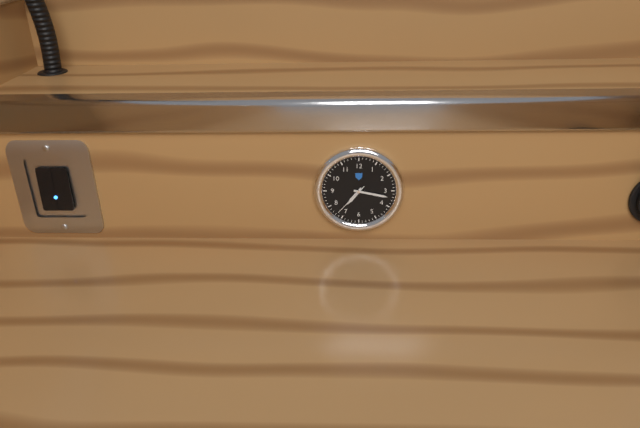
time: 7:17
